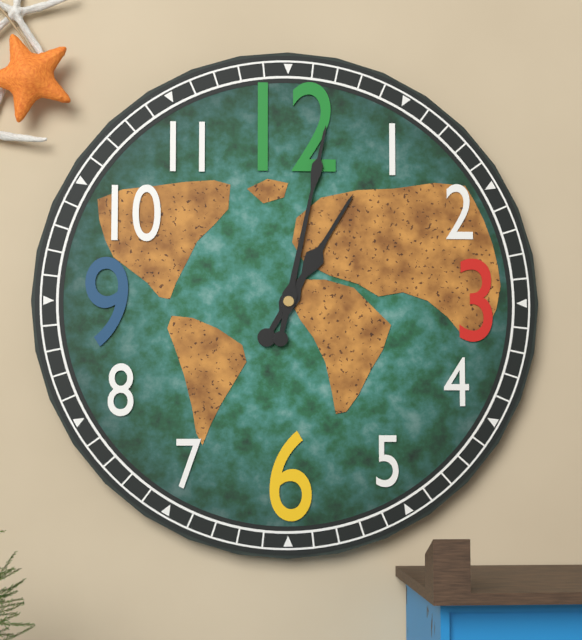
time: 1:02
